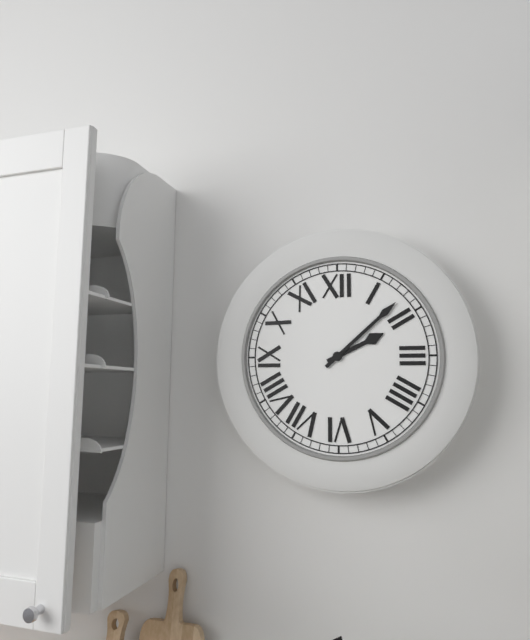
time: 2:08
